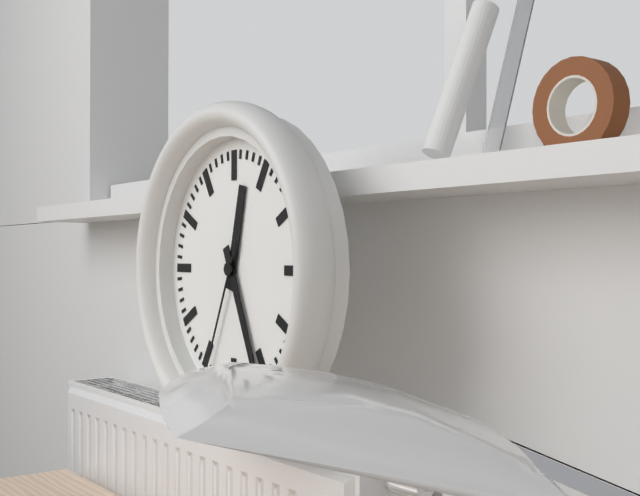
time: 12:26:34
